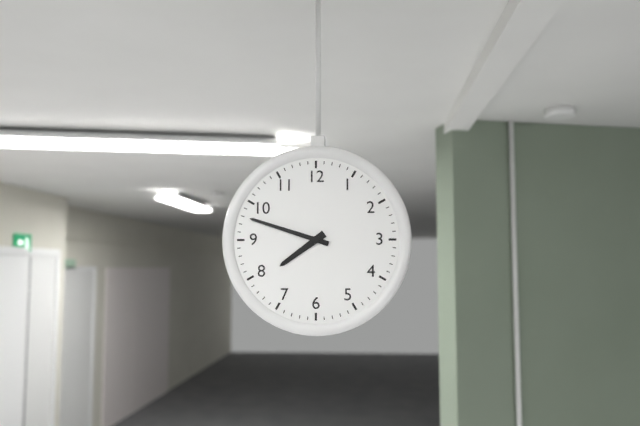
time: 7:48
